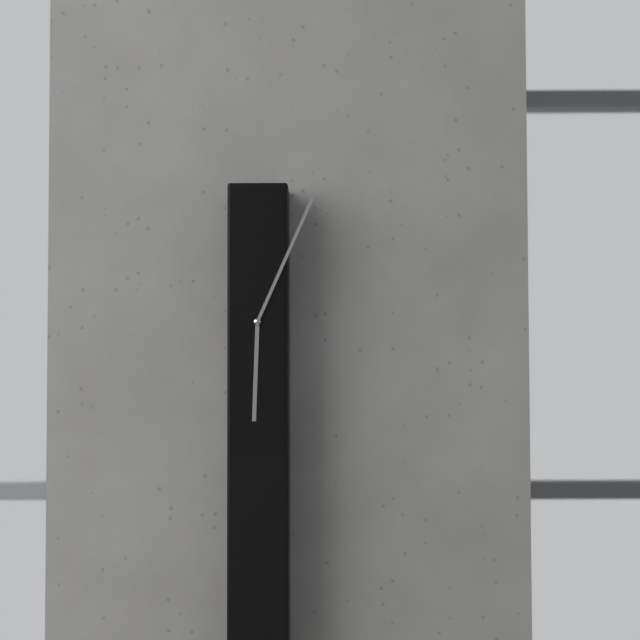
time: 6:04
